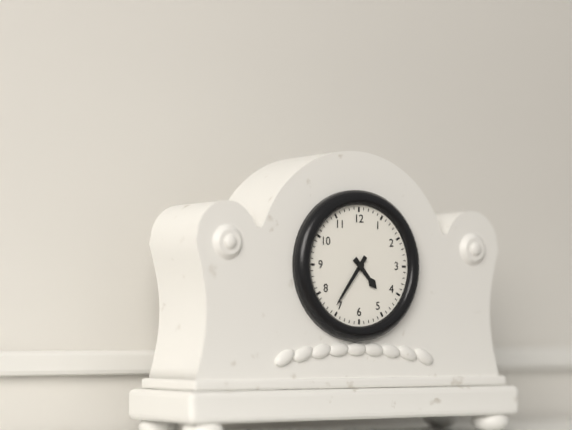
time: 4:36
